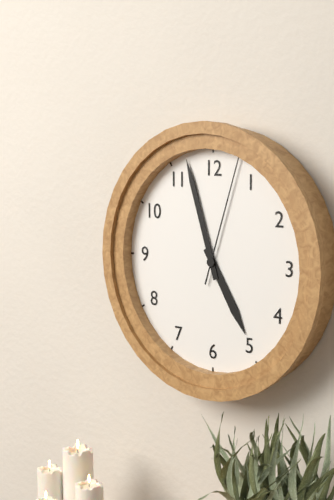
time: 4:57:03
